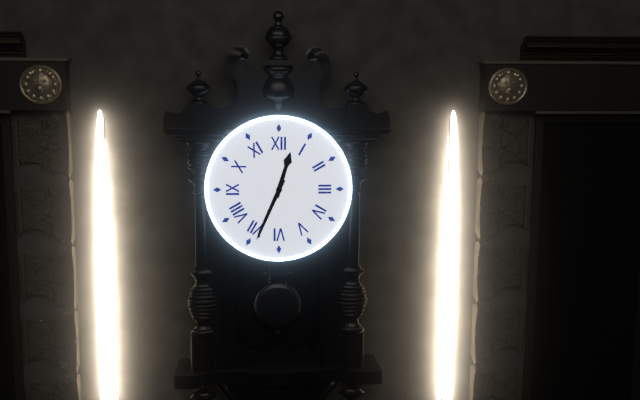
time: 12:34
